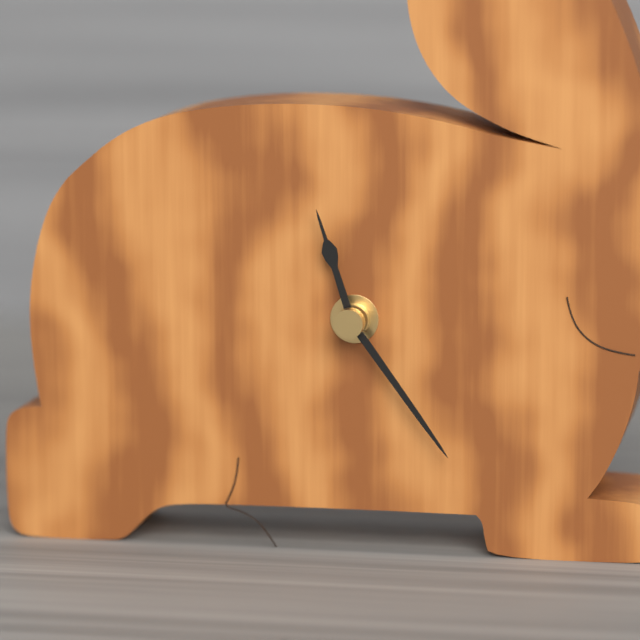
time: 11:24
